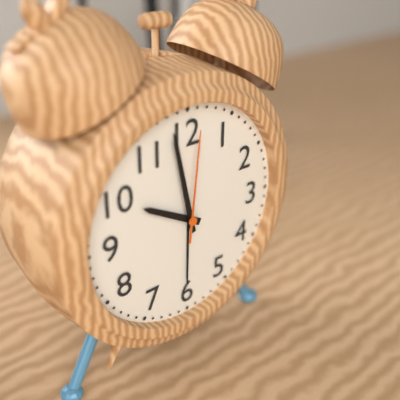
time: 9:58:01
